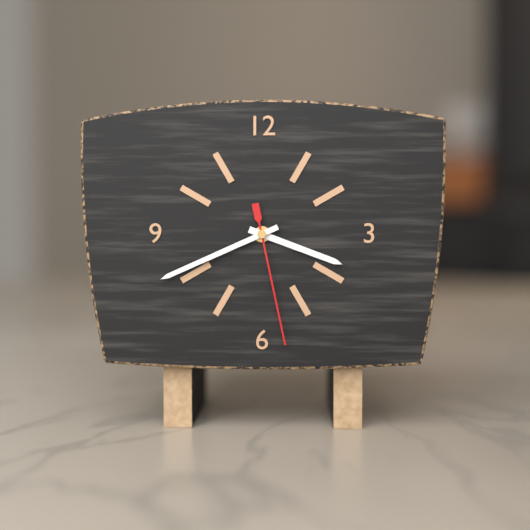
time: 3:41:28
